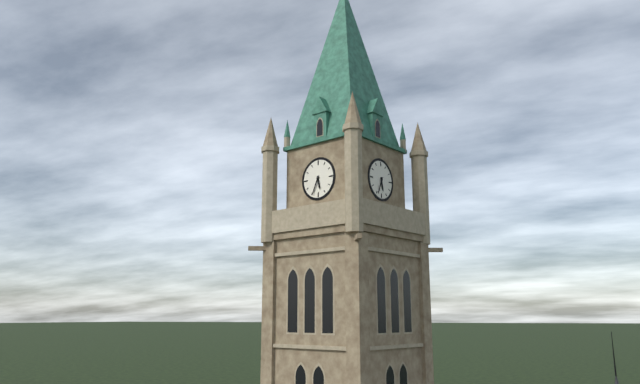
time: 5:34
